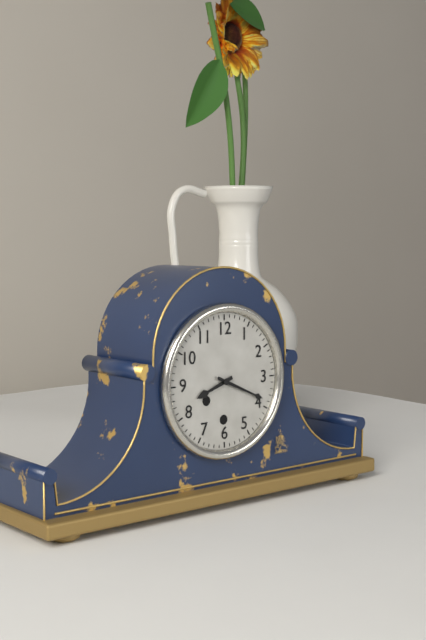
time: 8:19
